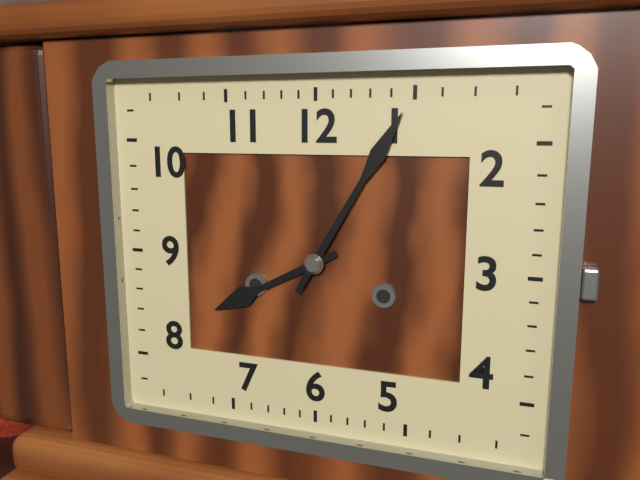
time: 8:05
